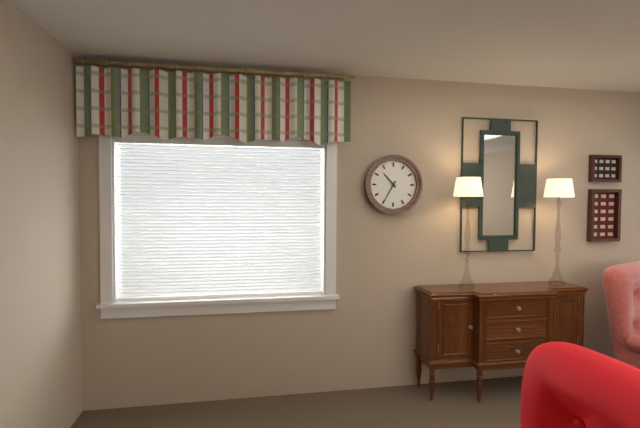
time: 10:35
